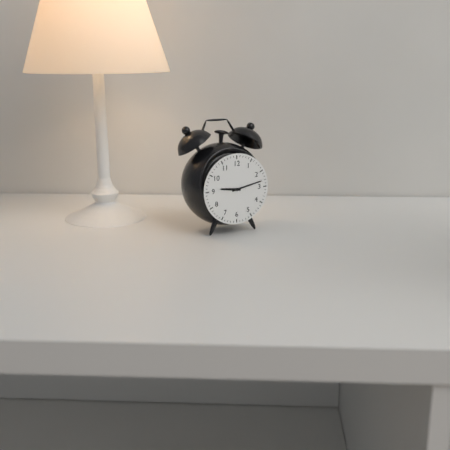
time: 9:13
